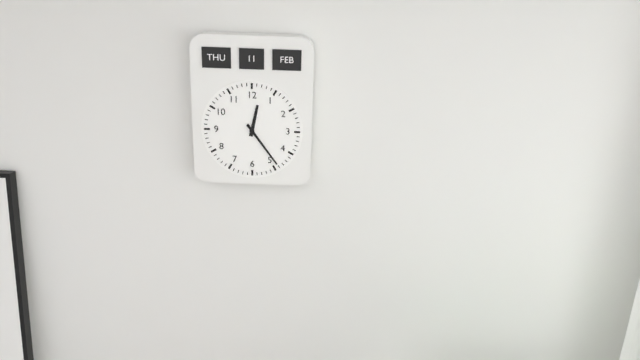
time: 12:24
